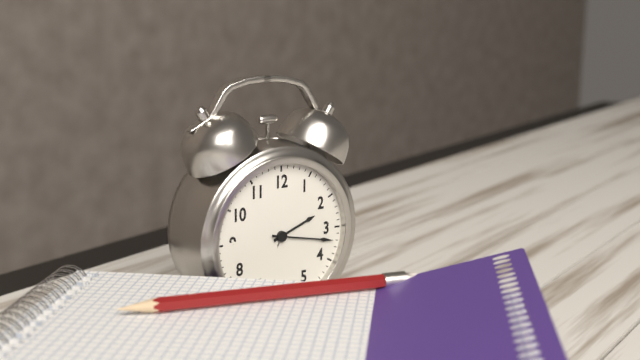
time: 2:17
